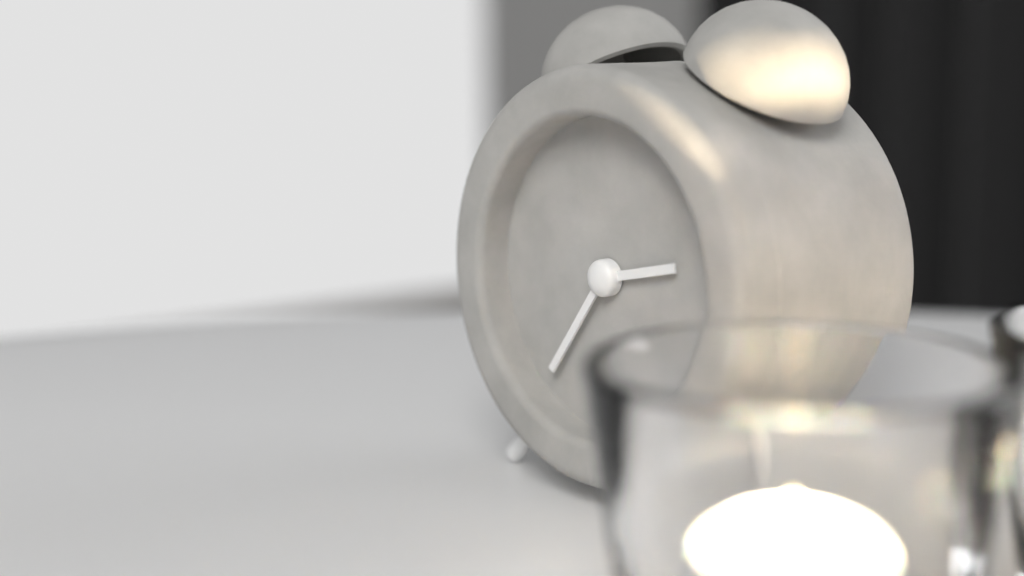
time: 2:36
